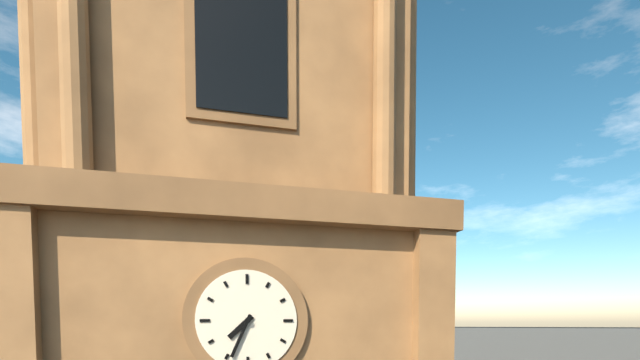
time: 7:34
